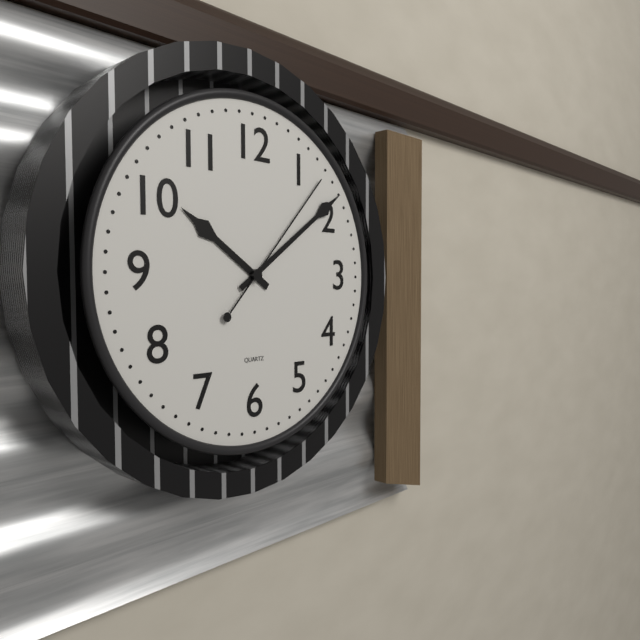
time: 10:09:07
